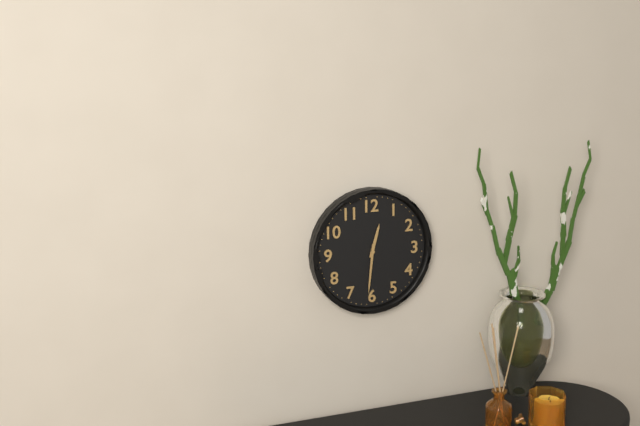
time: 12:31
